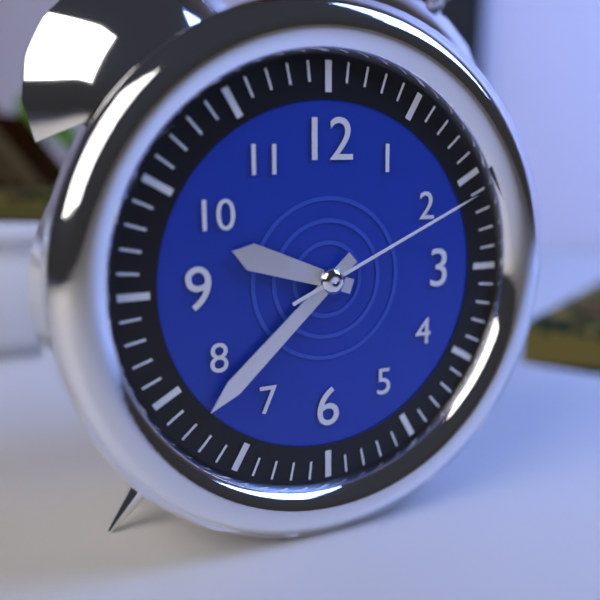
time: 9:38:11
